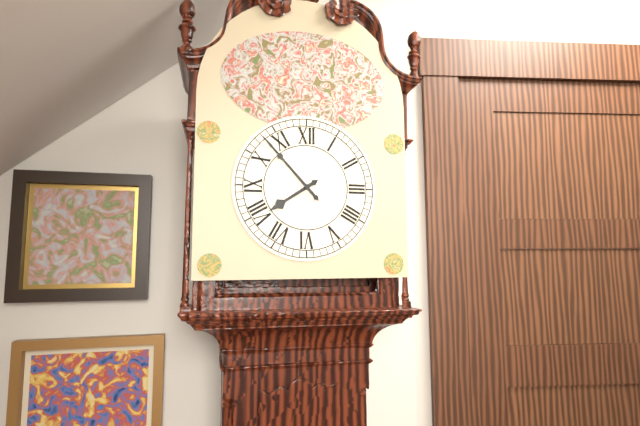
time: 7:53
